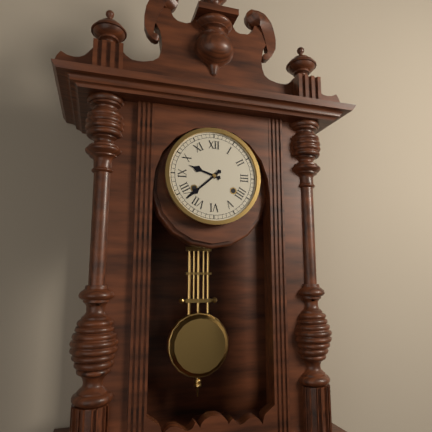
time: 9:38
